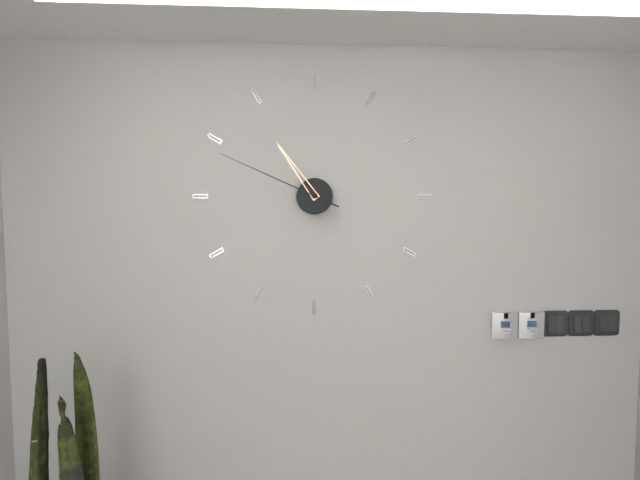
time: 10:49
